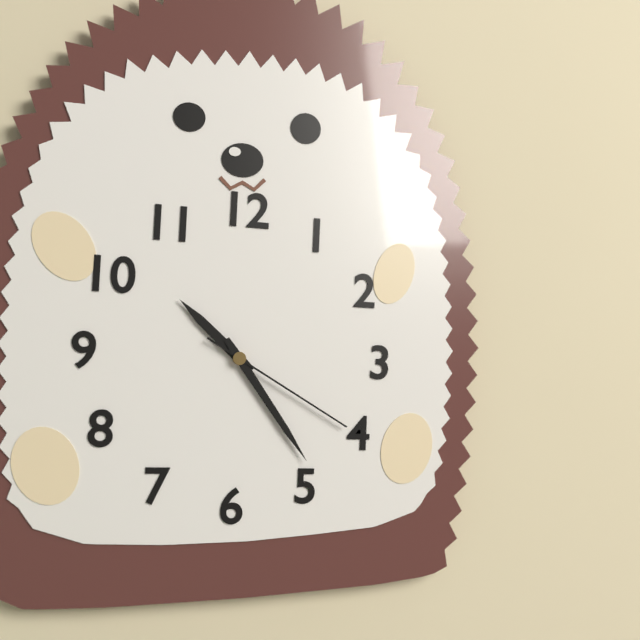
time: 10:24:20
